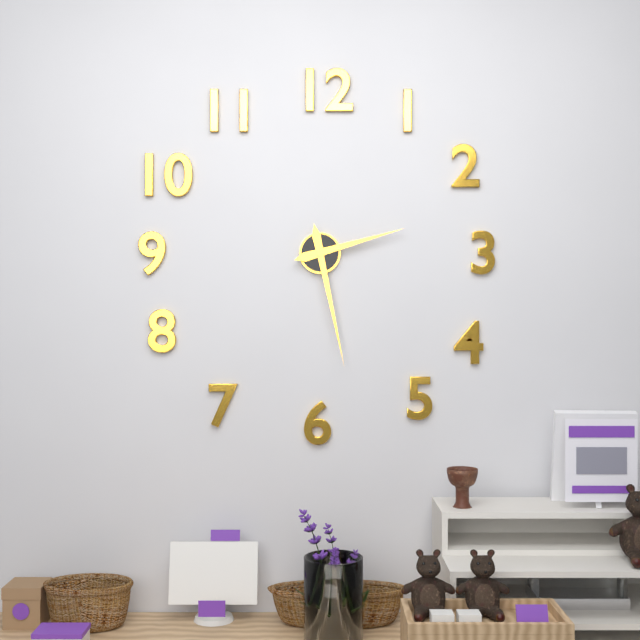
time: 2:28
